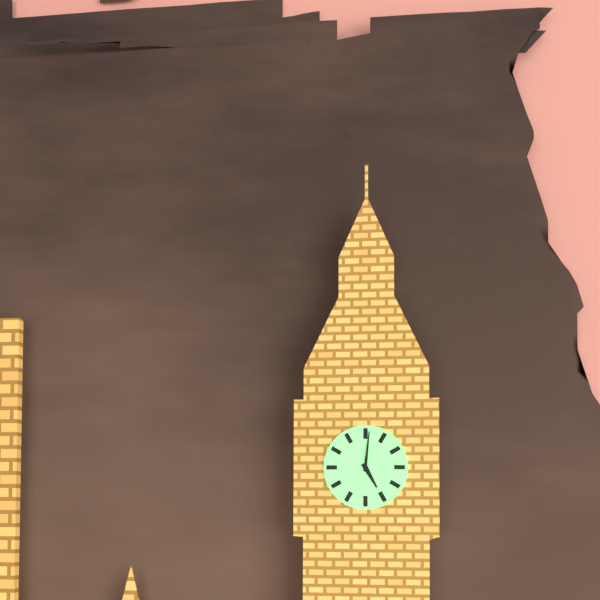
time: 5:01
